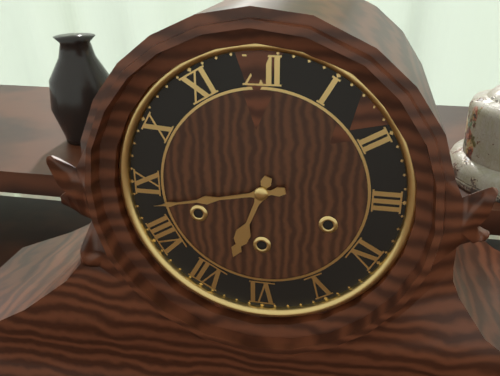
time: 6:43
